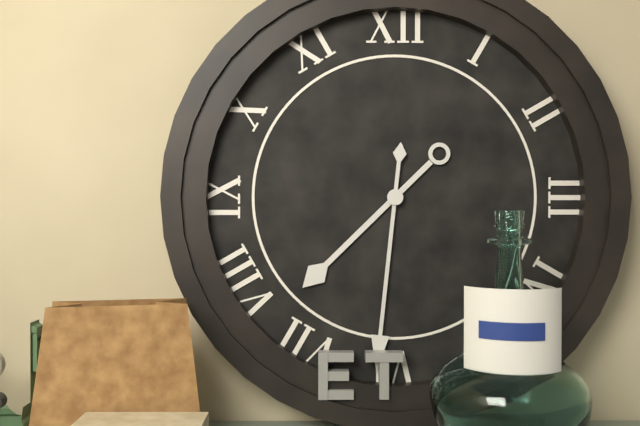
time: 7:31
